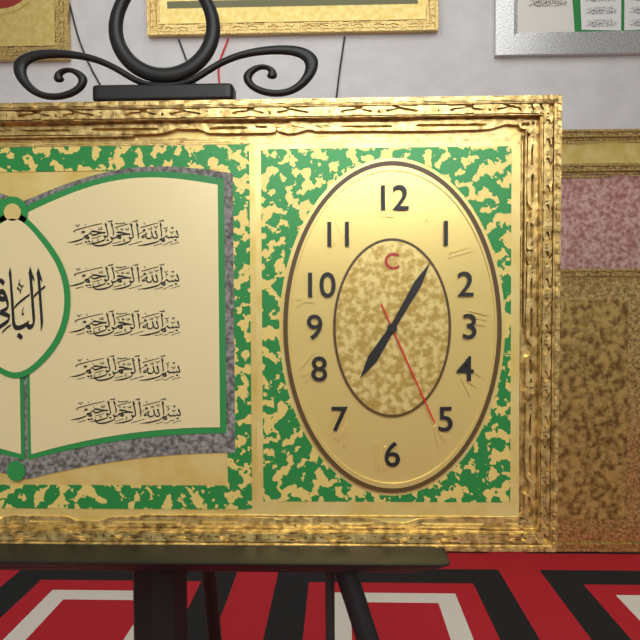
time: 7:05:26
